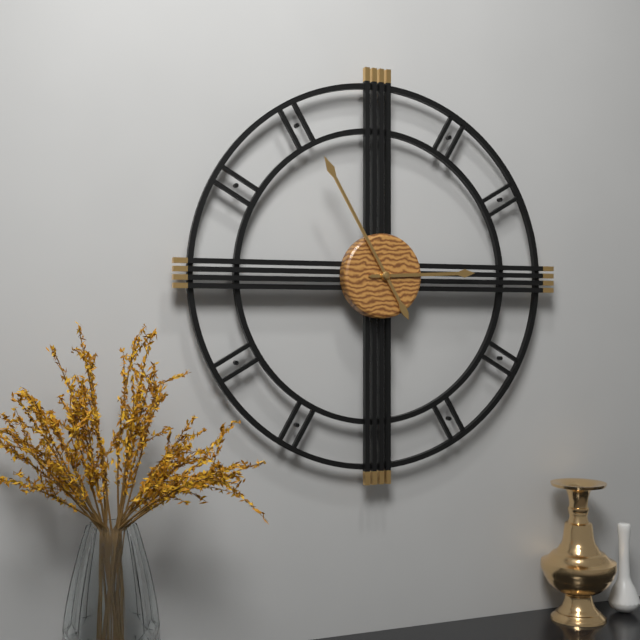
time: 2:55
